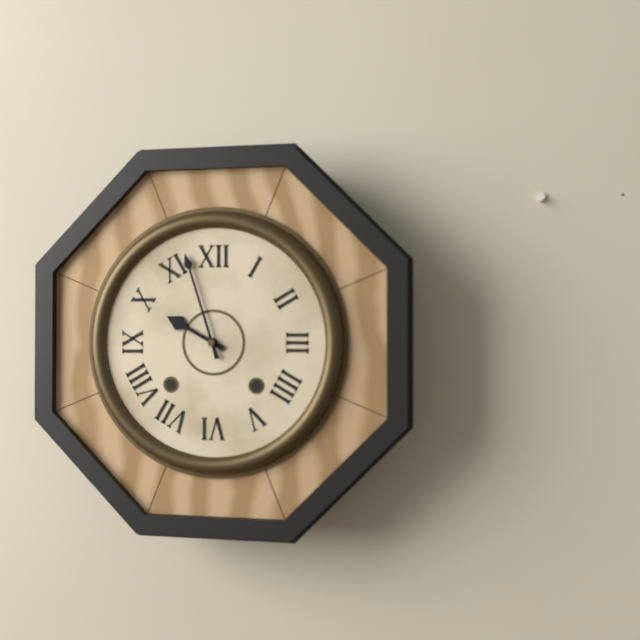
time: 9:57
